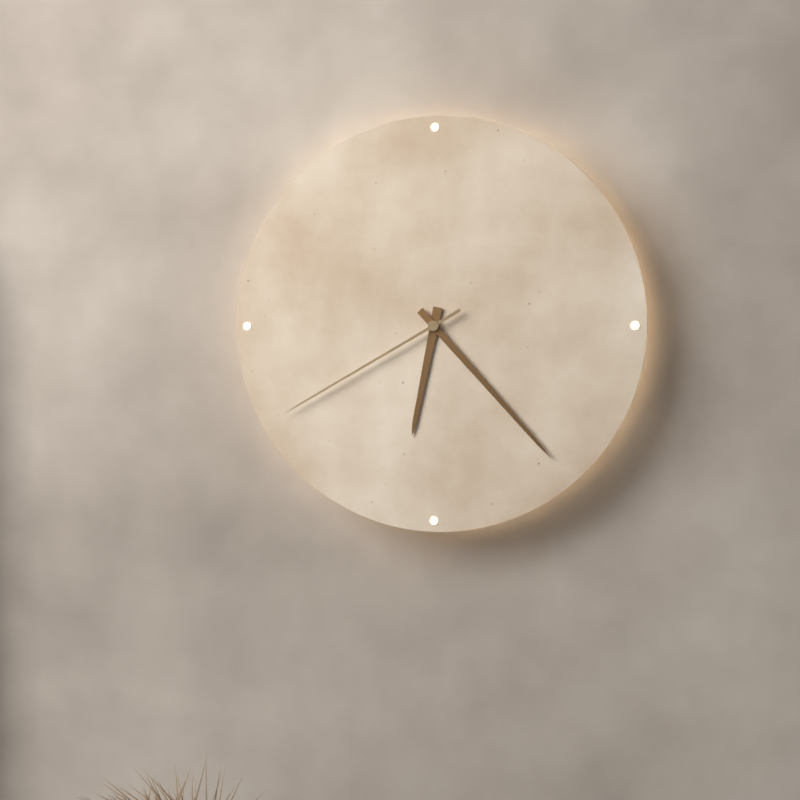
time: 6:23:40
